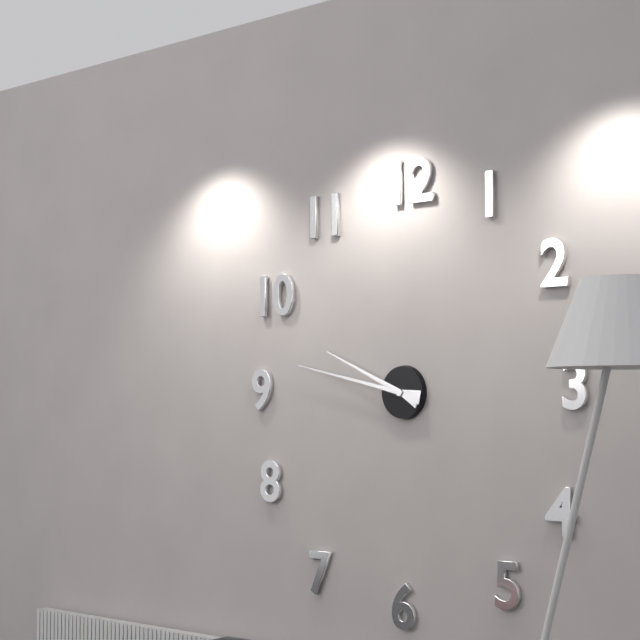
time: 9:47
